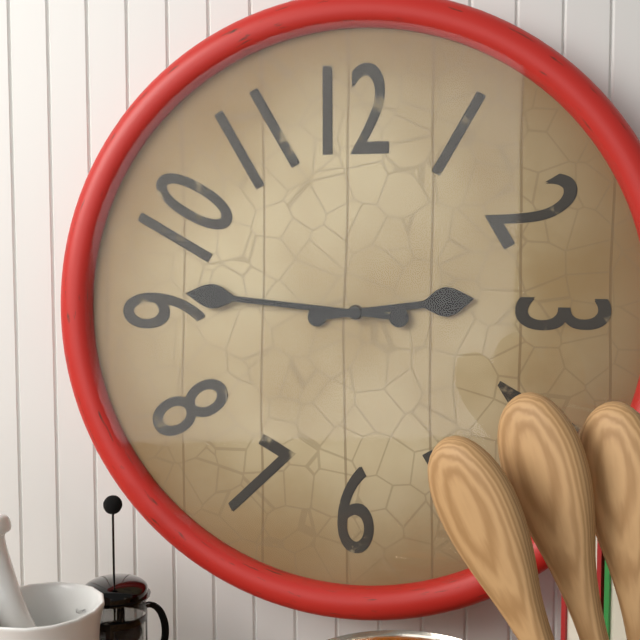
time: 2:46
